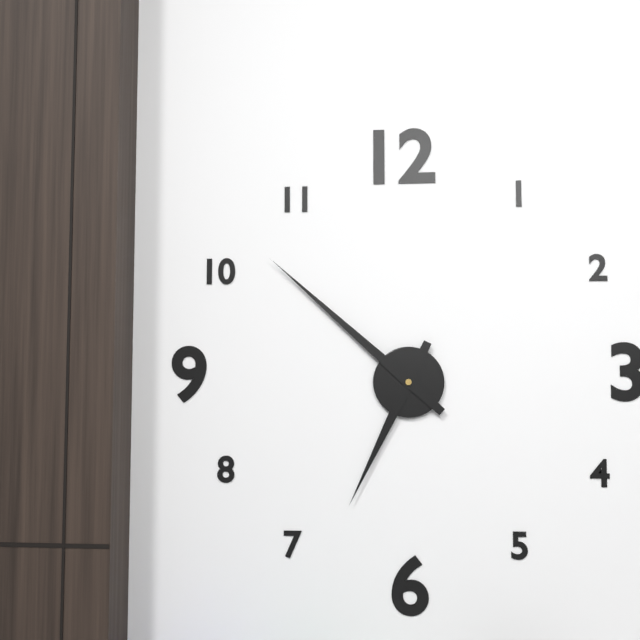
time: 6:52
